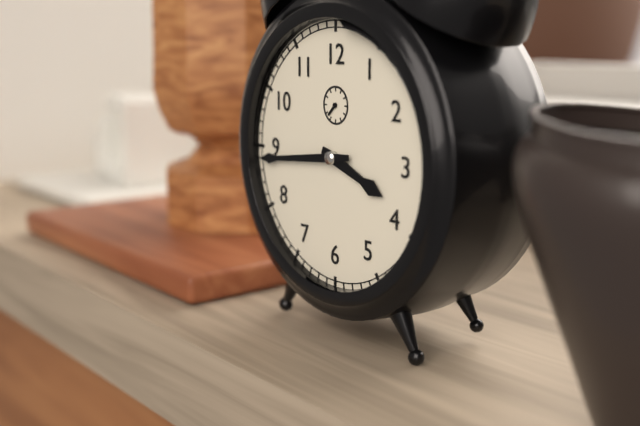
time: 3:44
